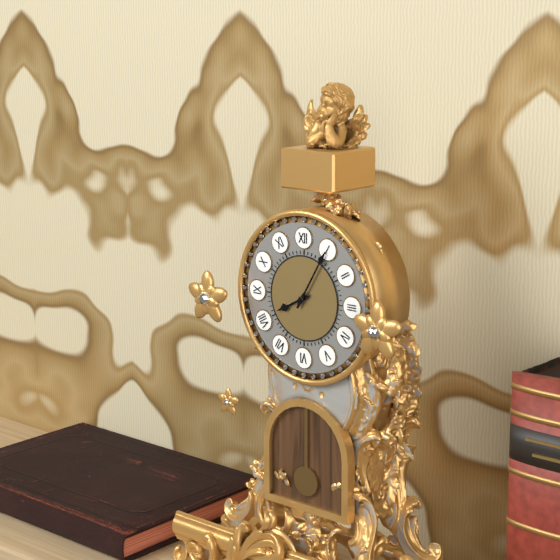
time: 8:05
